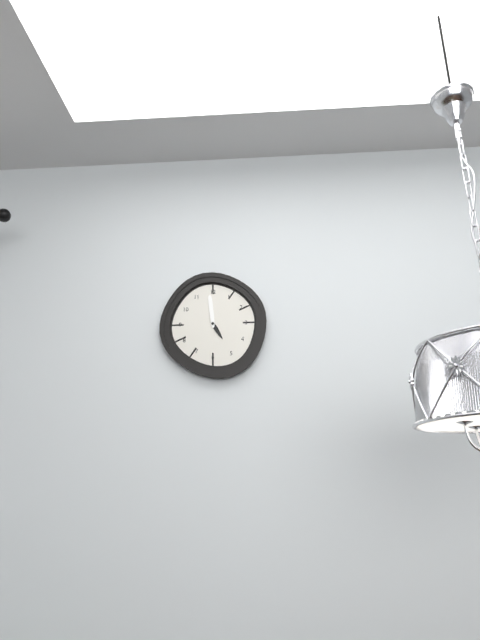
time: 4:59
